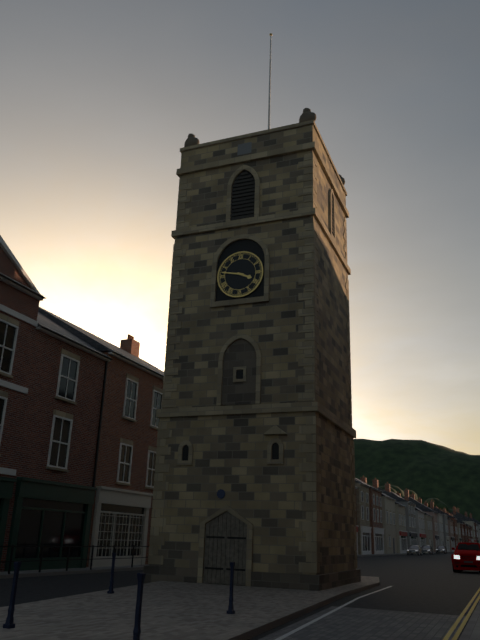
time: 3:47
